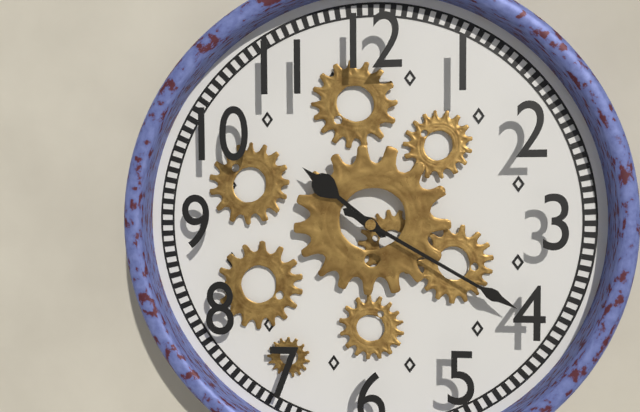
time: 10:20
